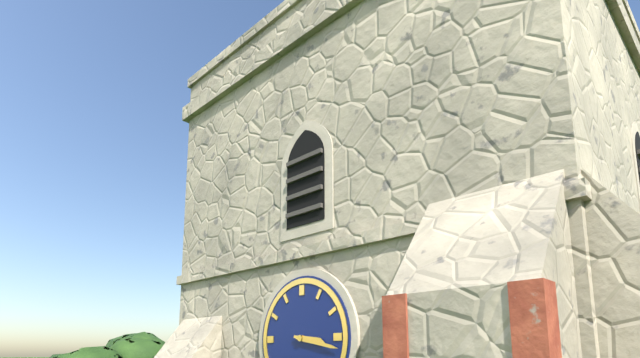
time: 3:17
